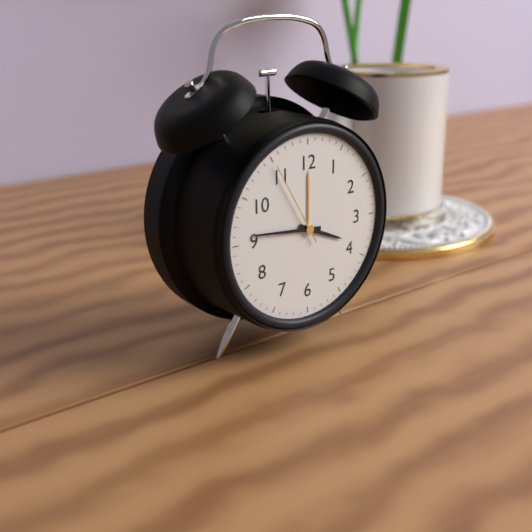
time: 3:46:55
